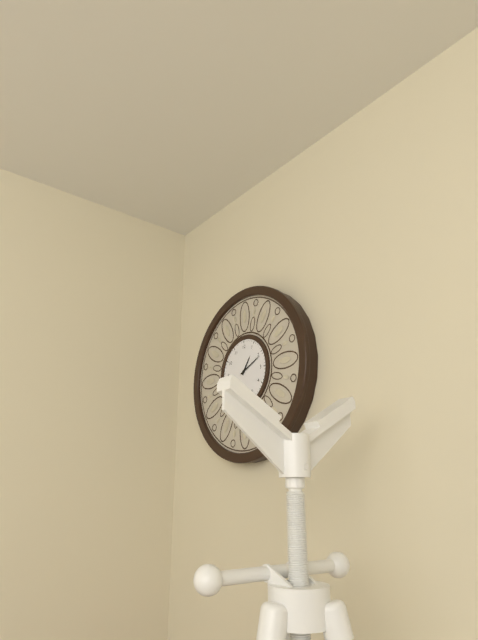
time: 1:11
